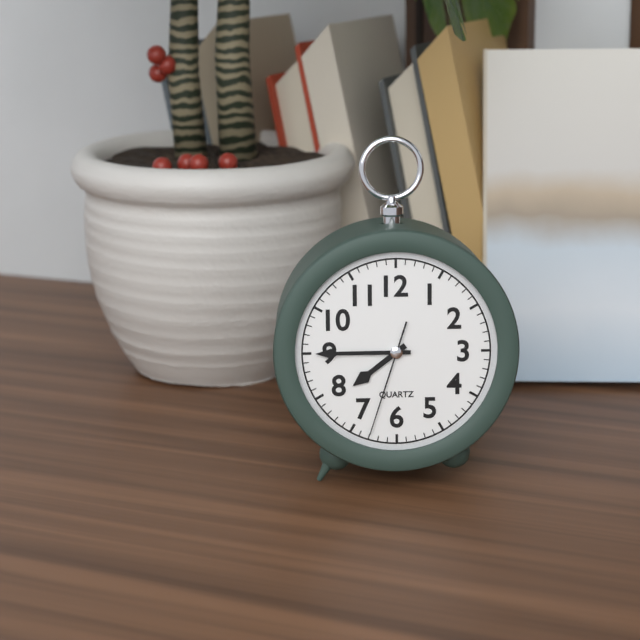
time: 7:45:33
